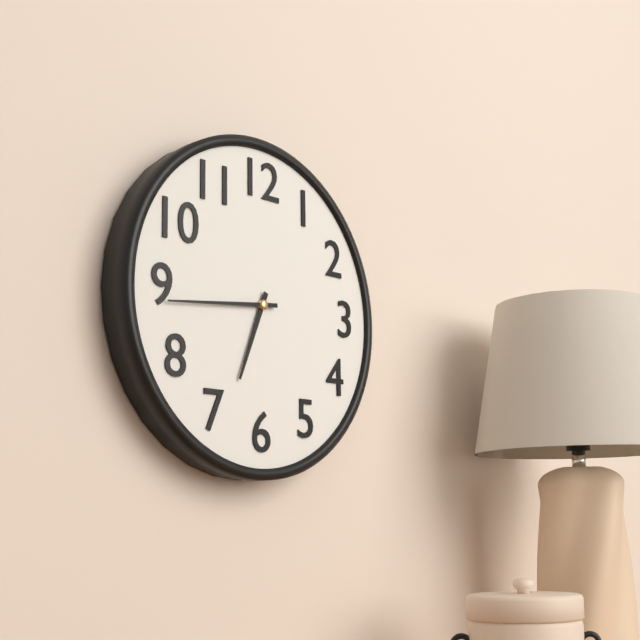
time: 6:44
